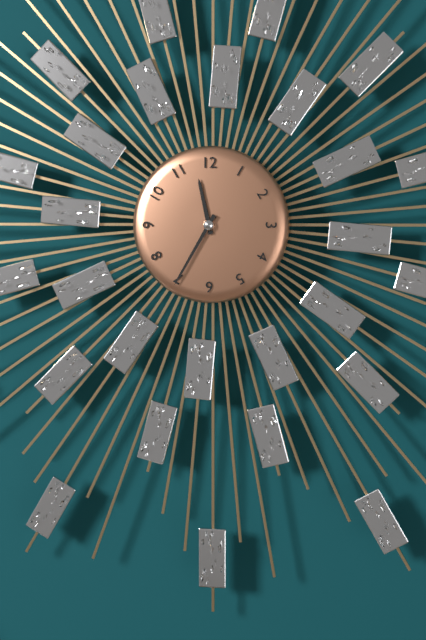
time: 11:35
